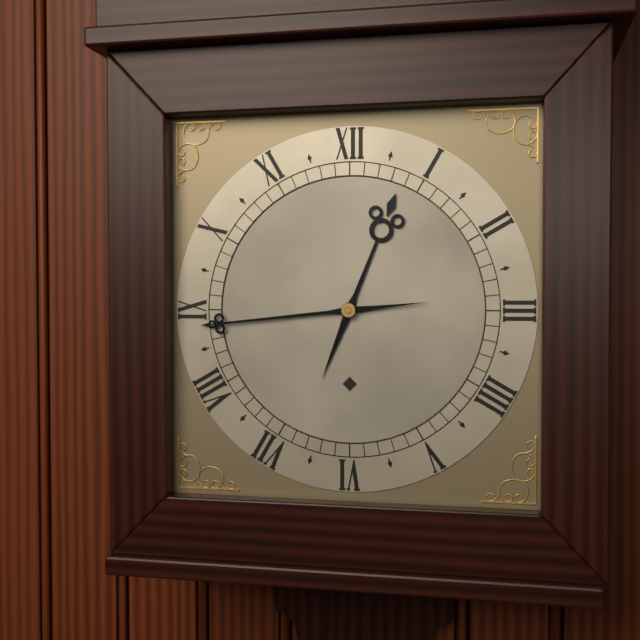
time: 12:44
